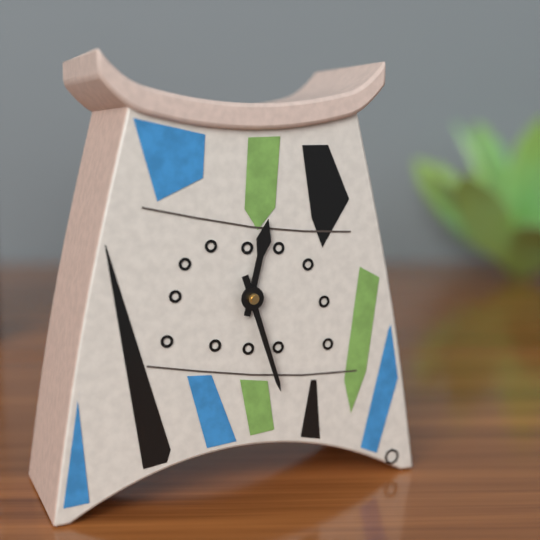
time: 12:27
